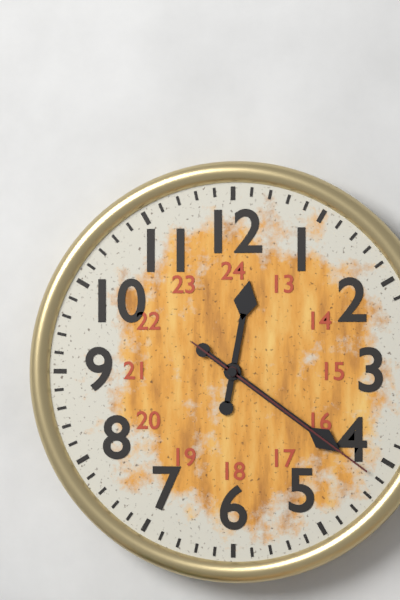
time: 12:21:21
